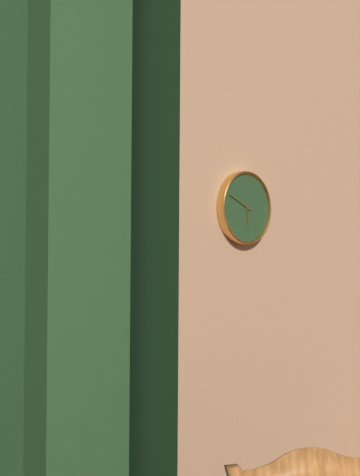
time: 5:49
